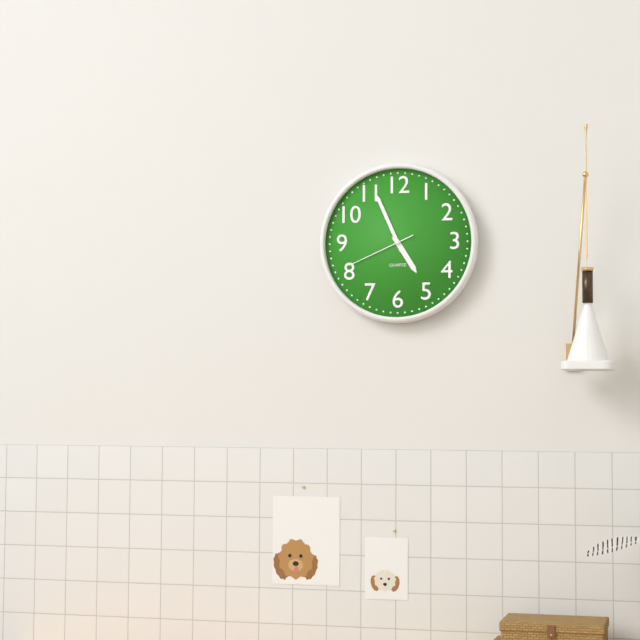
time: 4:56:41
